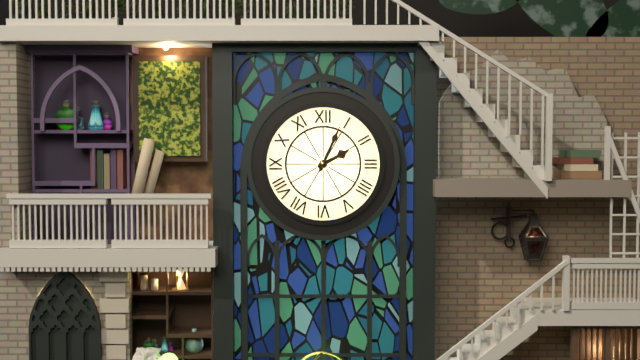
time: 2:04
